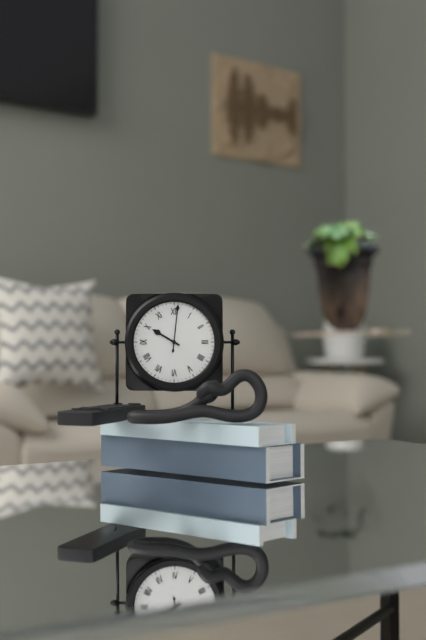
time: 10:01
